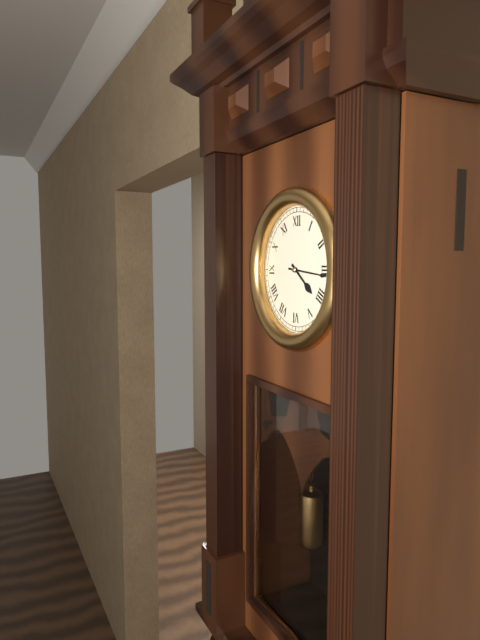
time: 4:16
